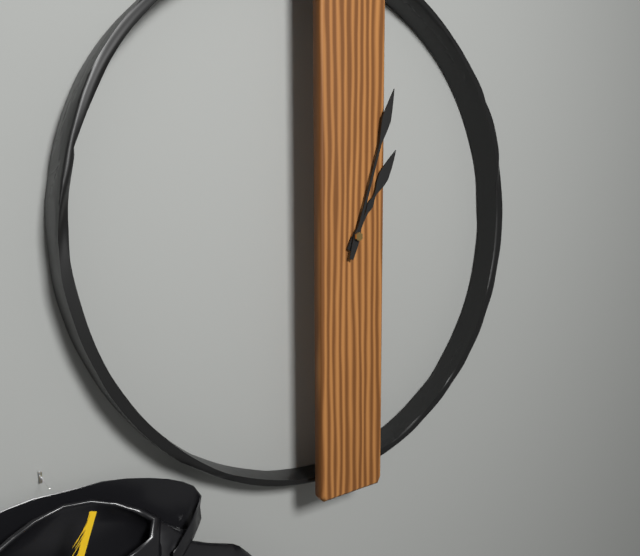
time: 1:03
